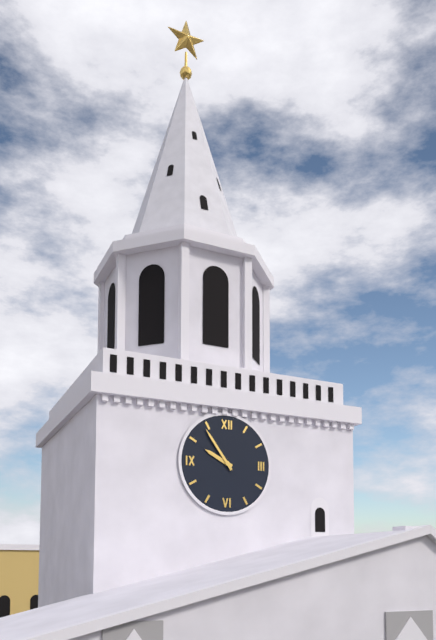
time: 9:54
